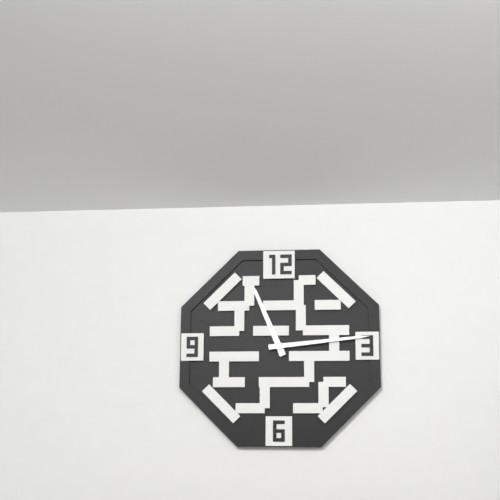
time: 11:14
